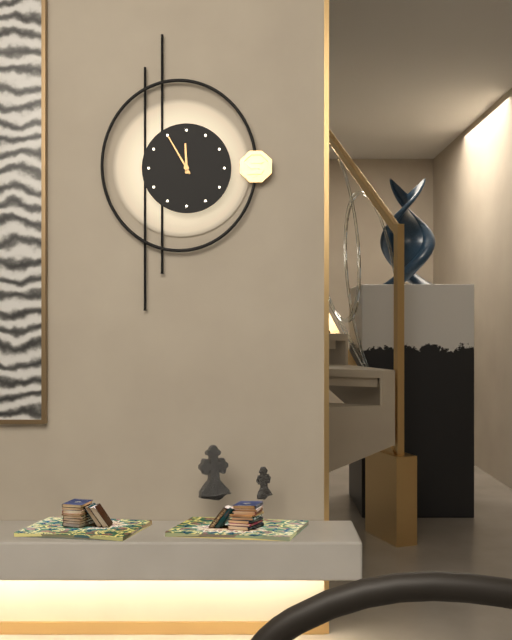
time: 11:55
